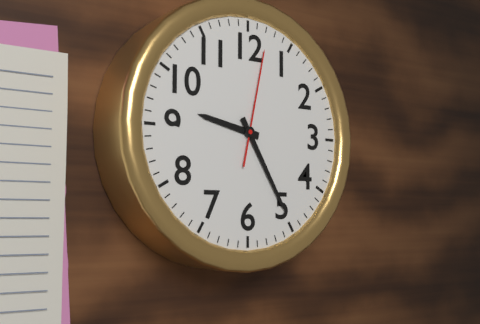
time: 9:25:02
